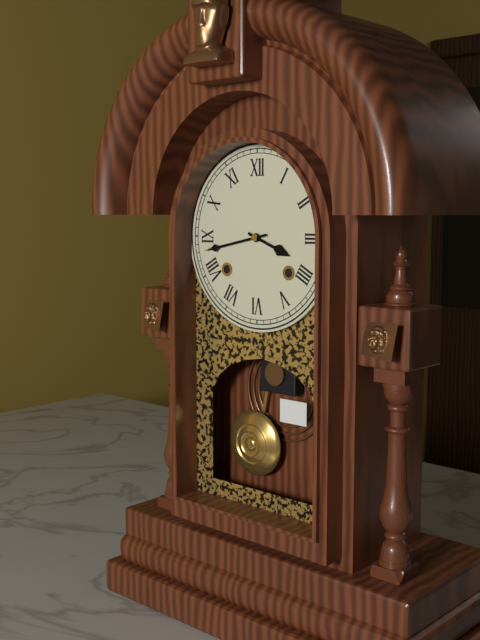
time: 3:43
